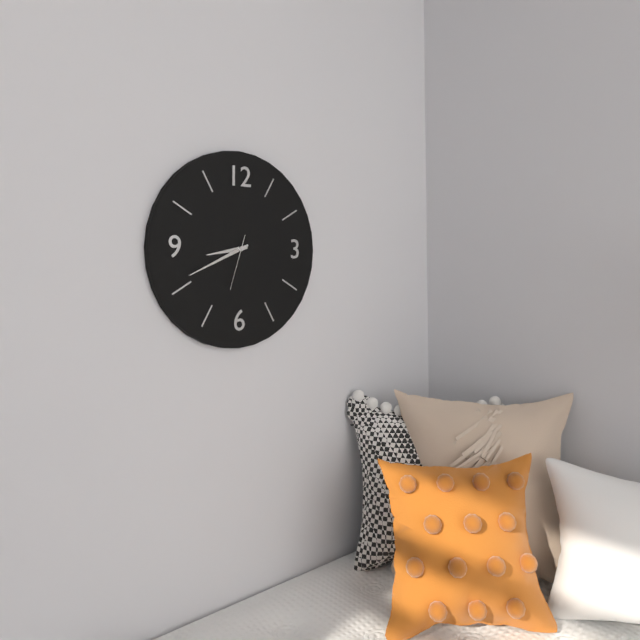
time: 8:41:33
